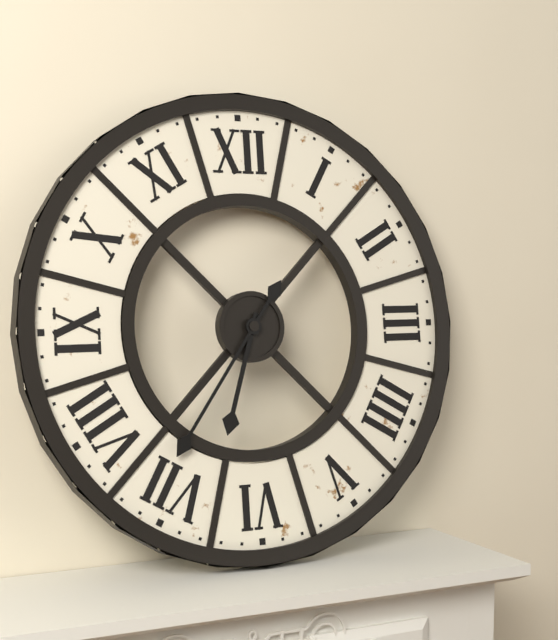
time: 6:36
